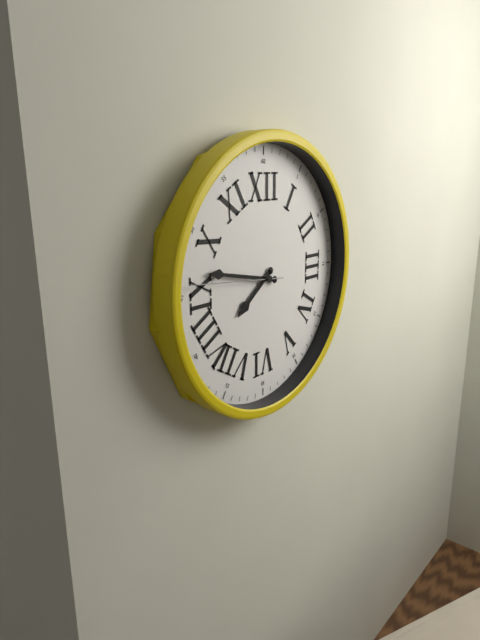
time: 7:47:46
